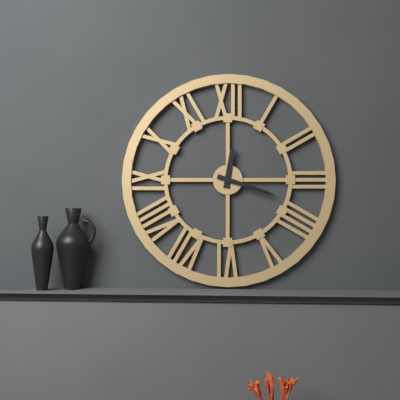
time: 12:18
